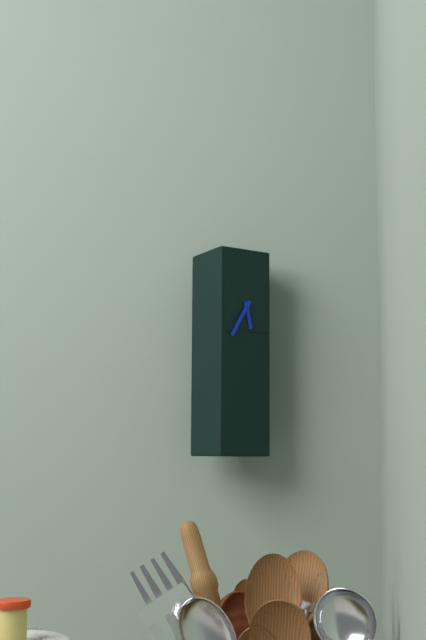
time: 5:35
